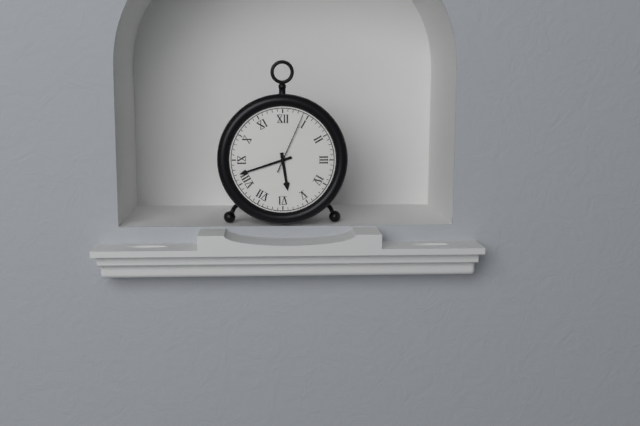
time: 5:42:04
